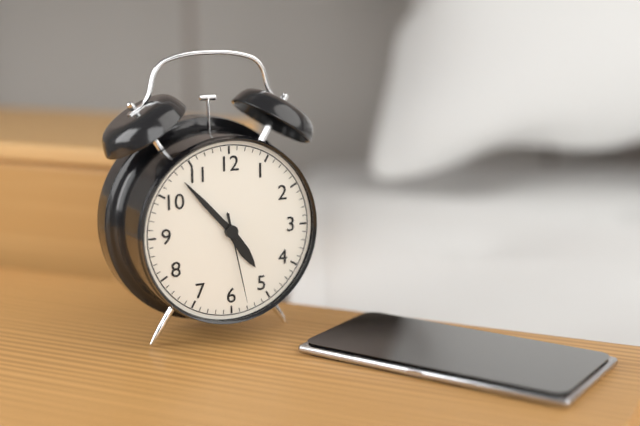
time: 4:53:28
